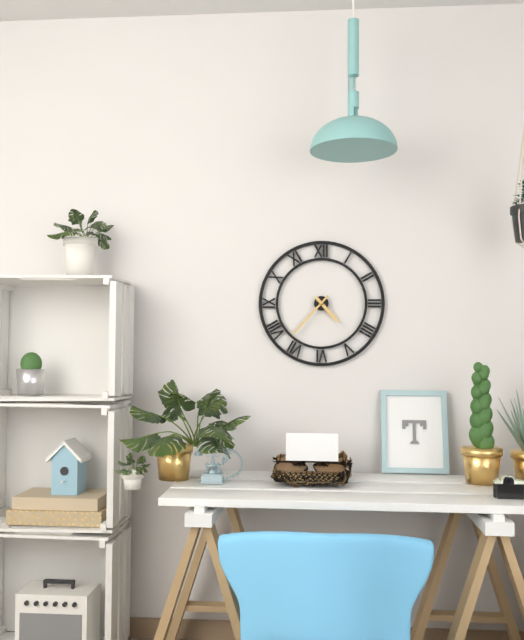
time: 4:37
